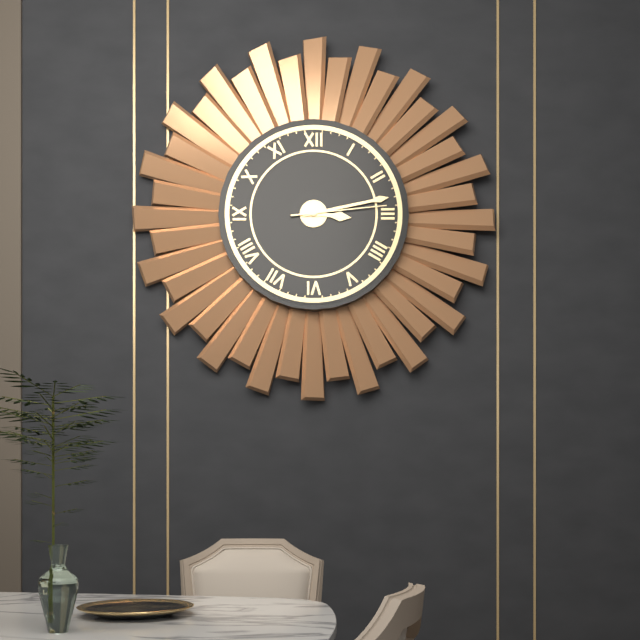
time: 3:13:14
